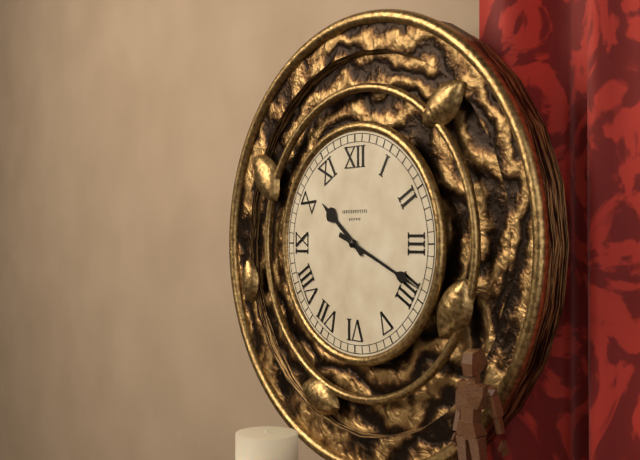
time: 10:19
